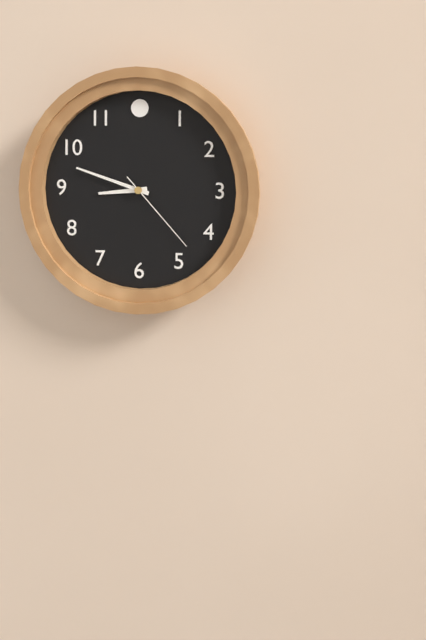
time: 8:48:23
